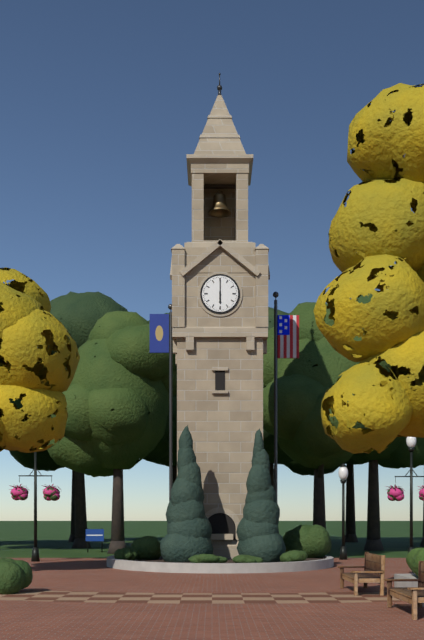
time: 6:00
